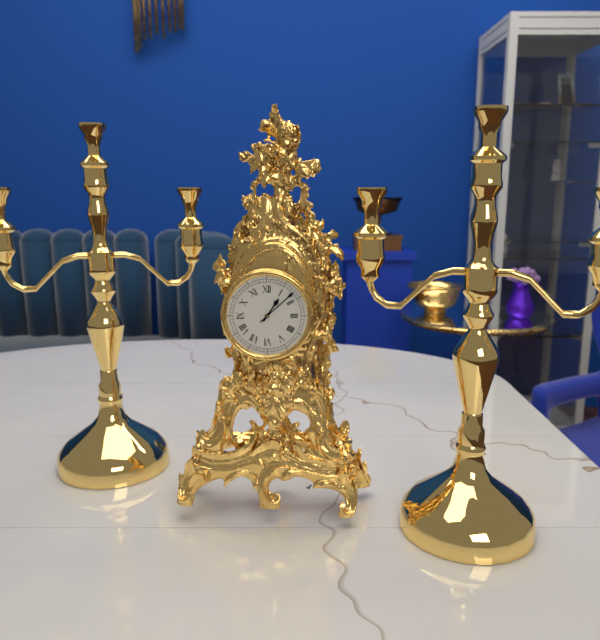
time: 1:08
